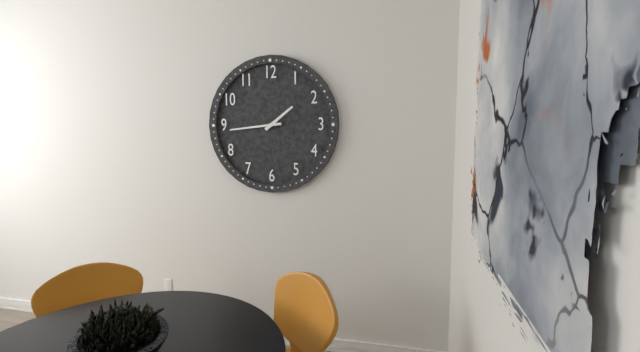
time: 1:44
